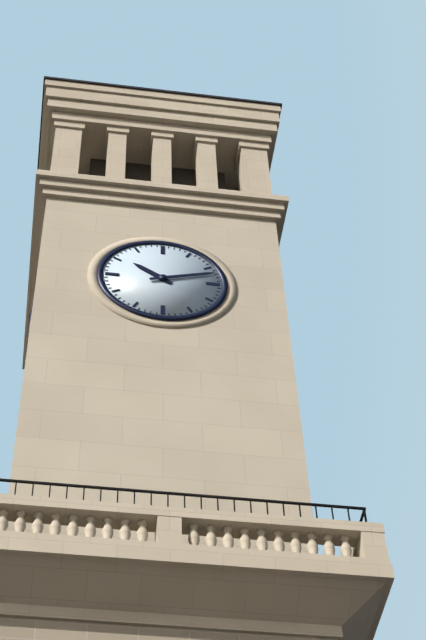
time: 10:12
